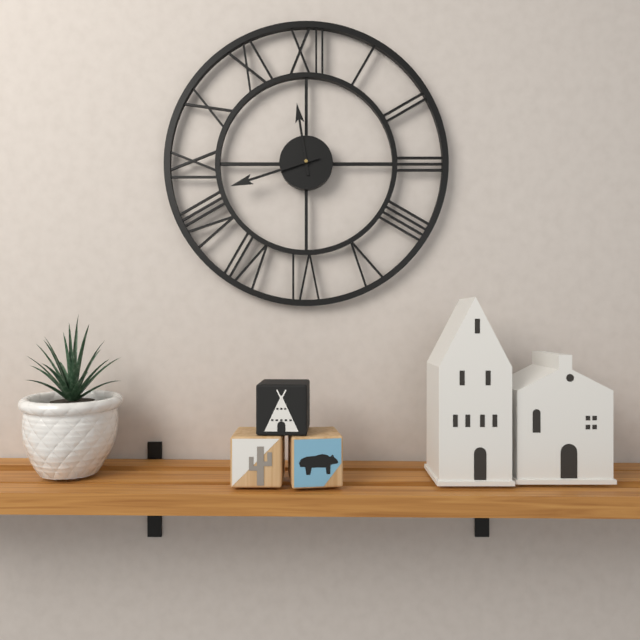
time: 11:42
